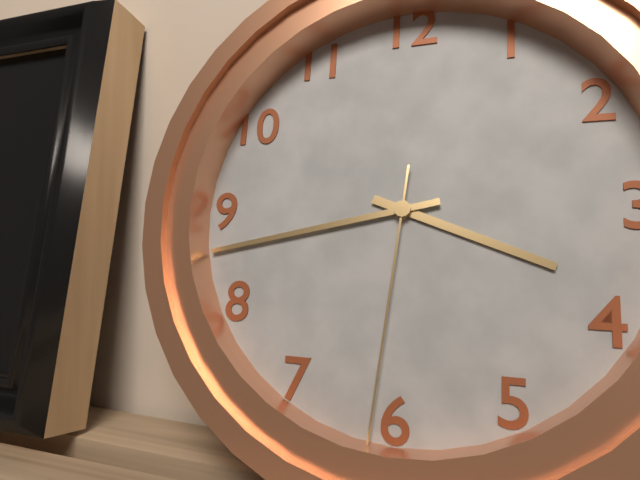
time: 3:43:31
